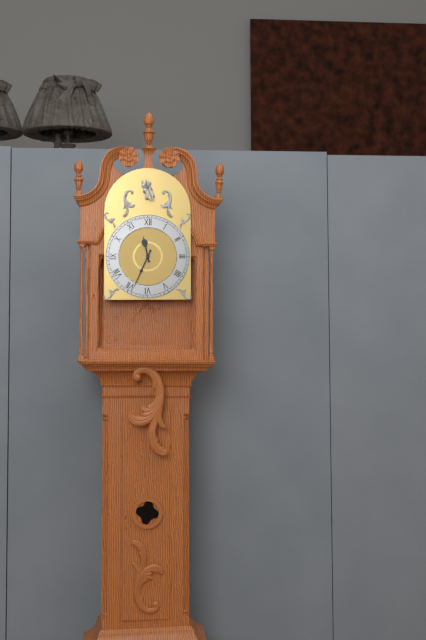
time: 11:34
